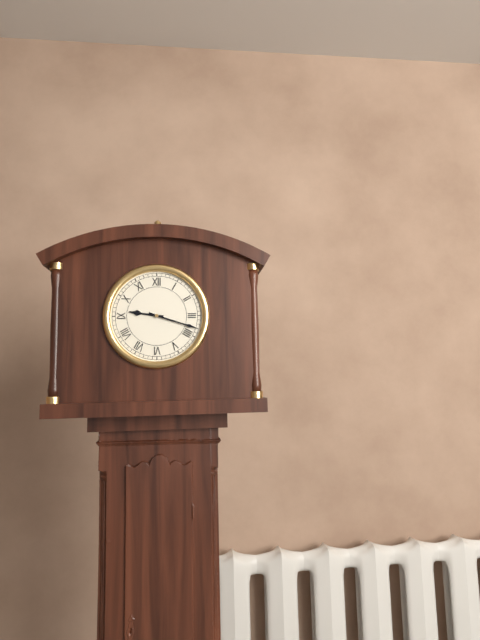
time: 9:18
